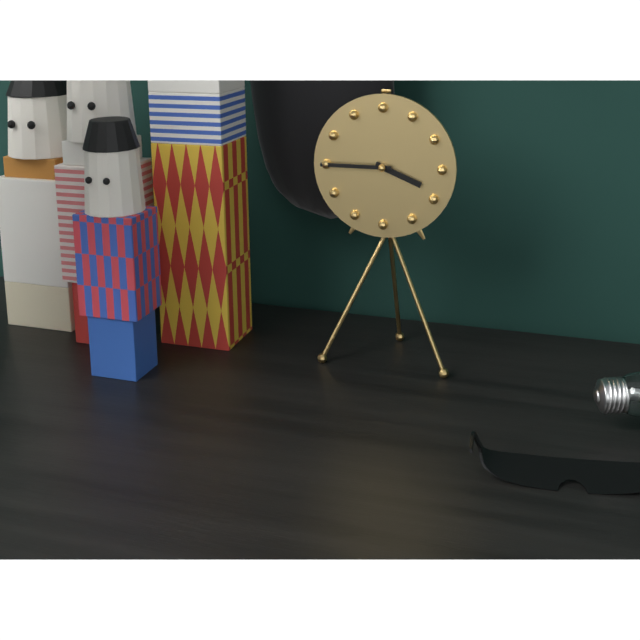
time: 3:45
